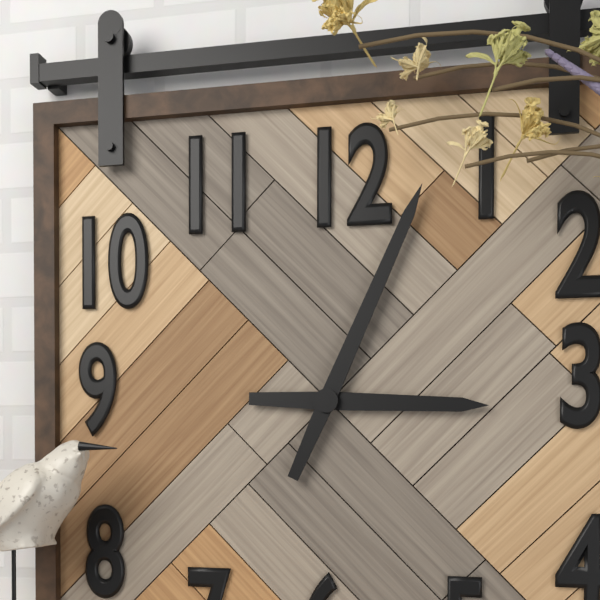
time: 3:04
